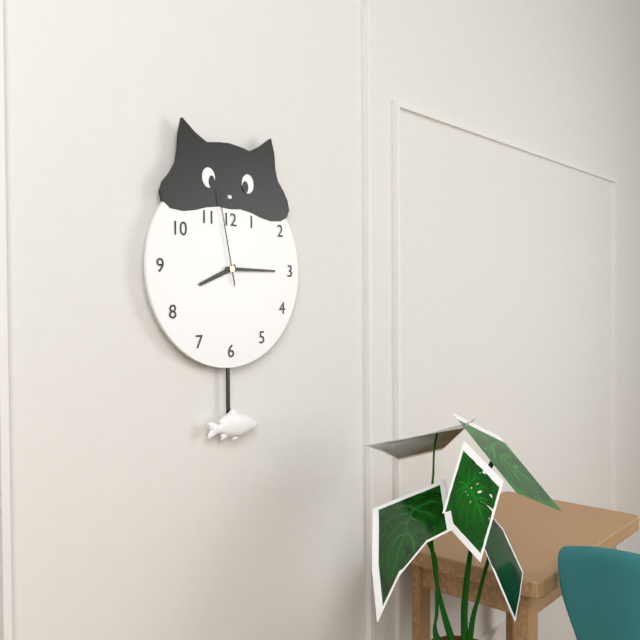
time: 8:15:58
